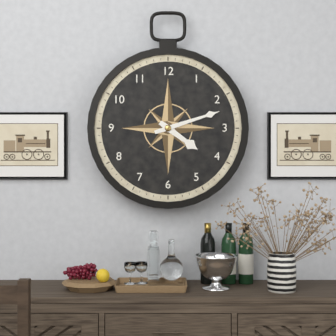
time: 4:12
